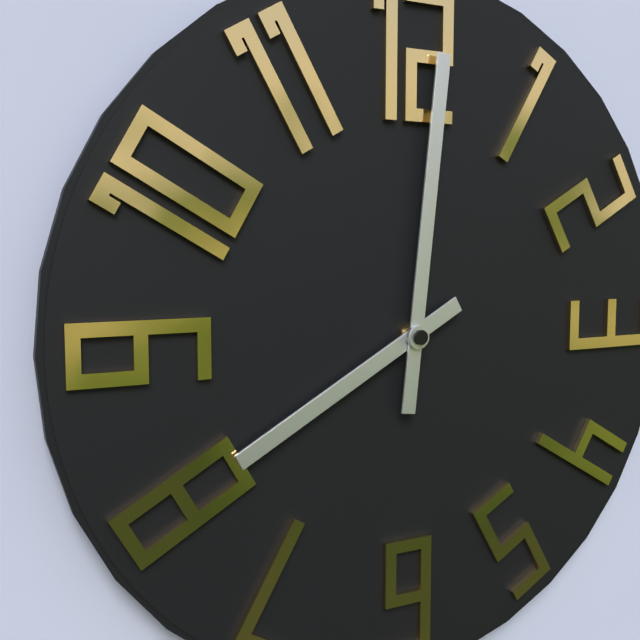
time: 8:01
